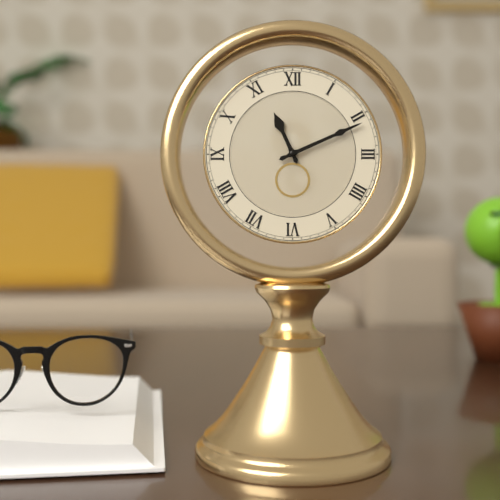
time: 11:11
